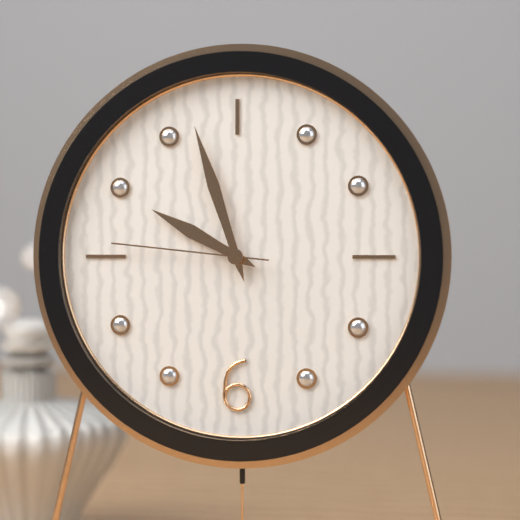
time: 9:57:46
